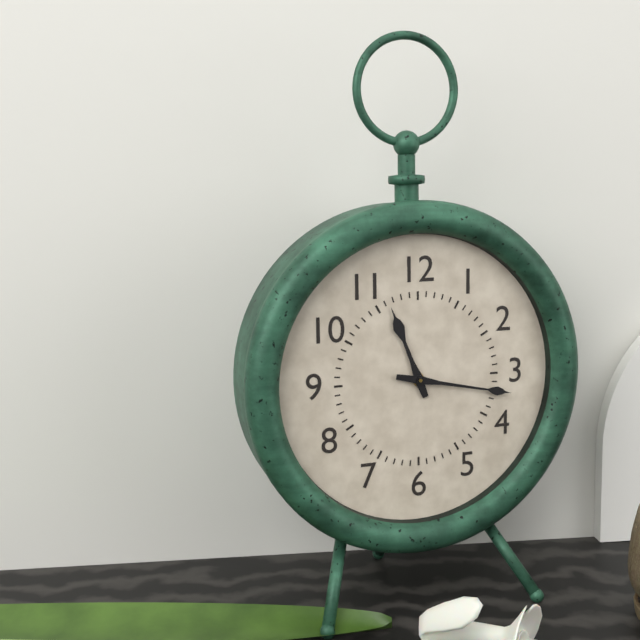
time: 11:17
